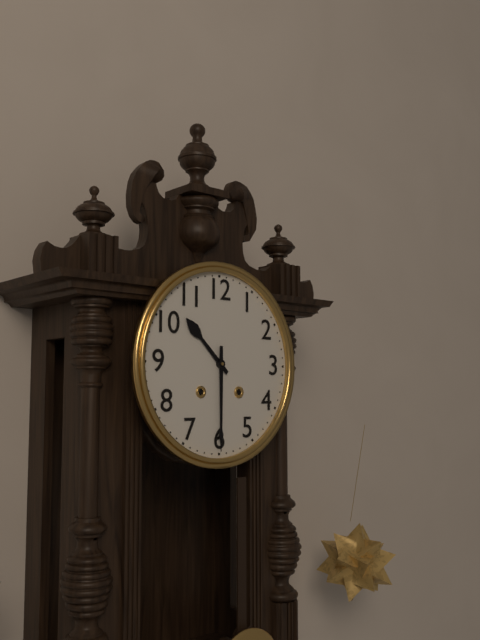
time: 10:30
